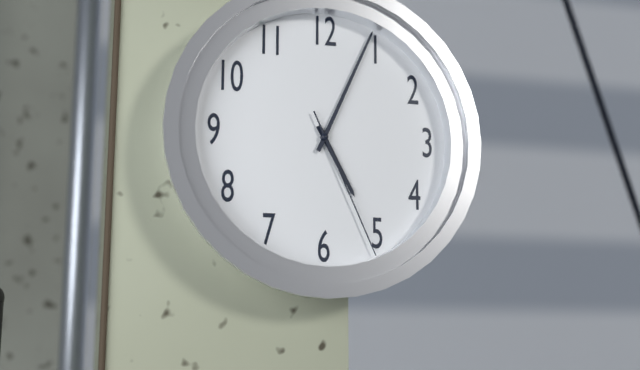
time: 5:04:26
